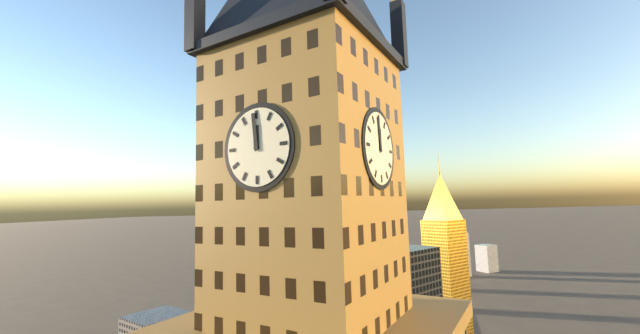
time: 11:59
